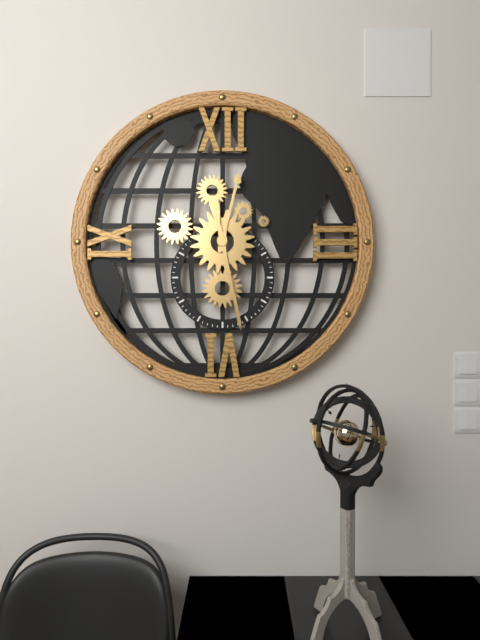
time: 12:28
